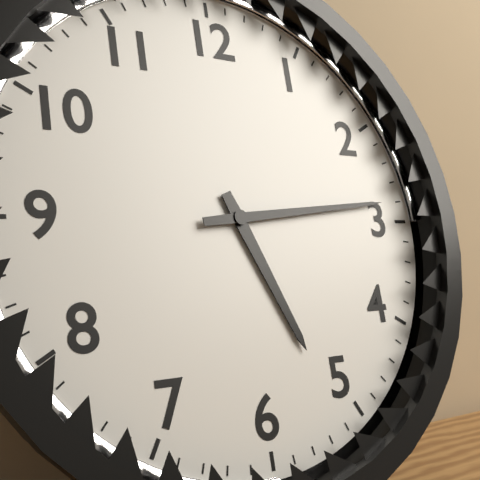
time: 5:14
